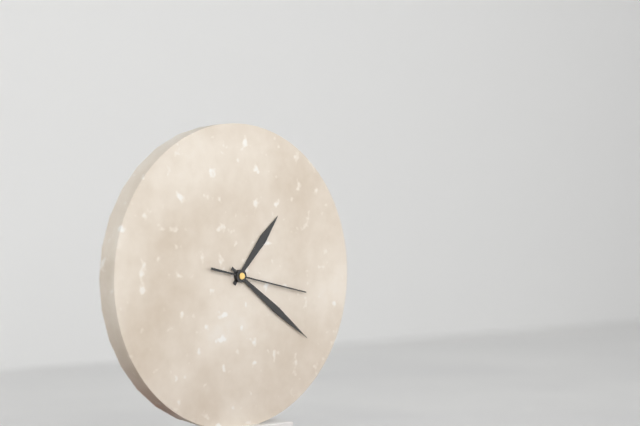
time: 1:21:17
